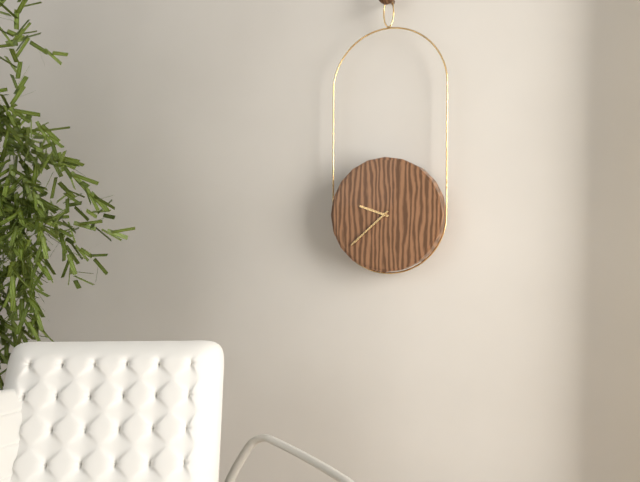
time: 9:38
